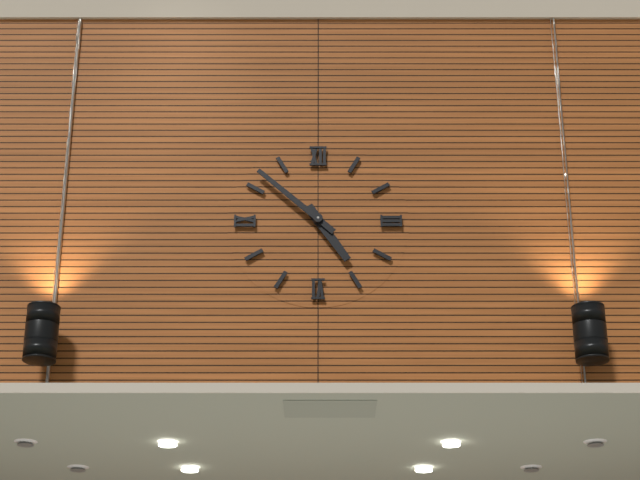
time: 4:52
